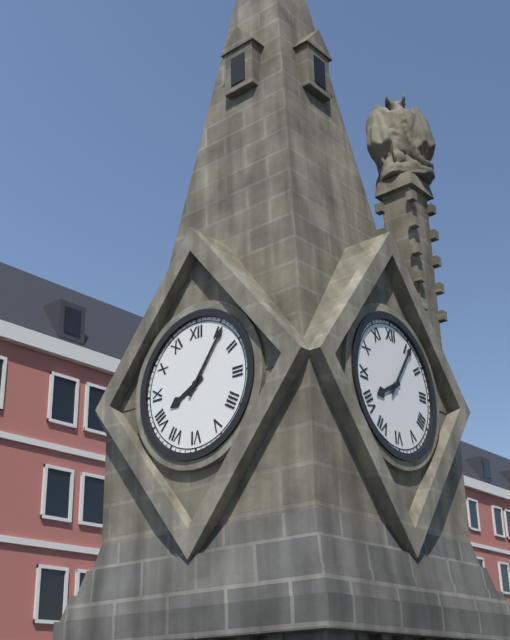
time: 8:06
